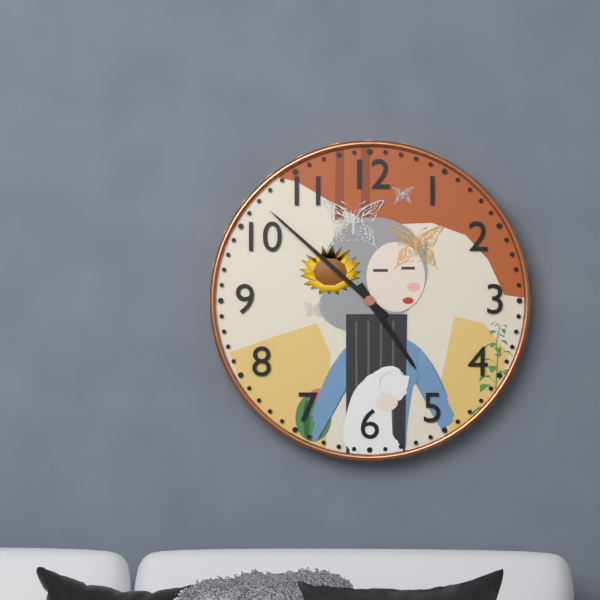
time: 4:52
